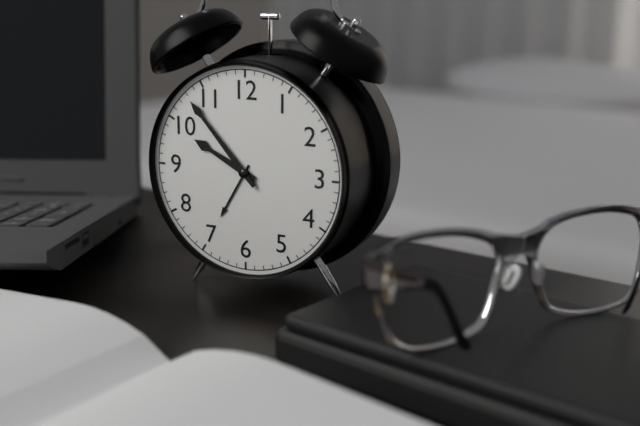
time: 9:53
